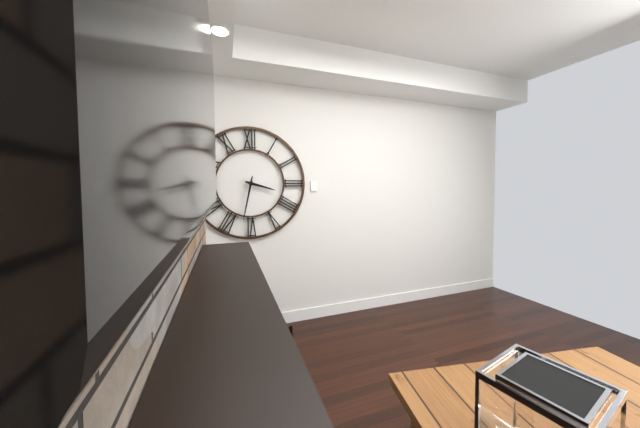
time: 3:32
